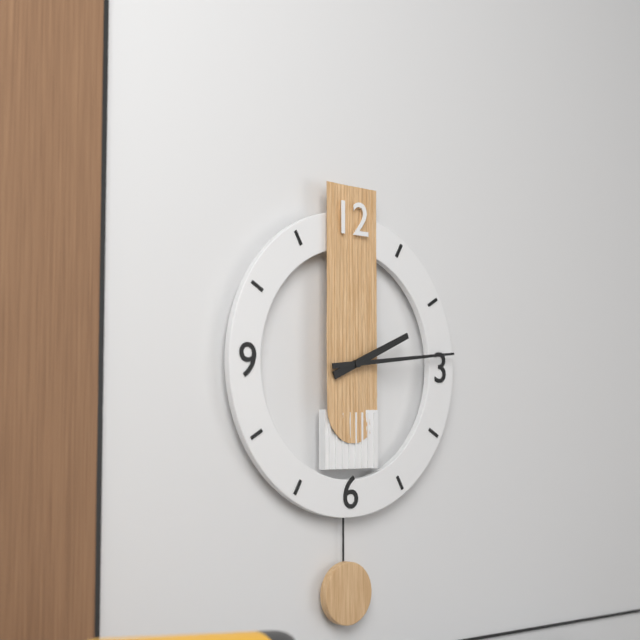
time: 2:14
